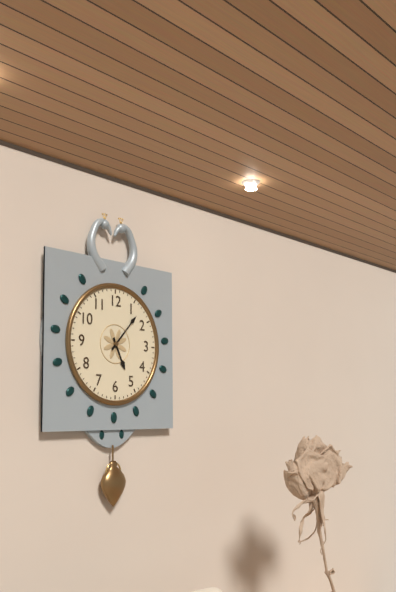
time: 5:07
